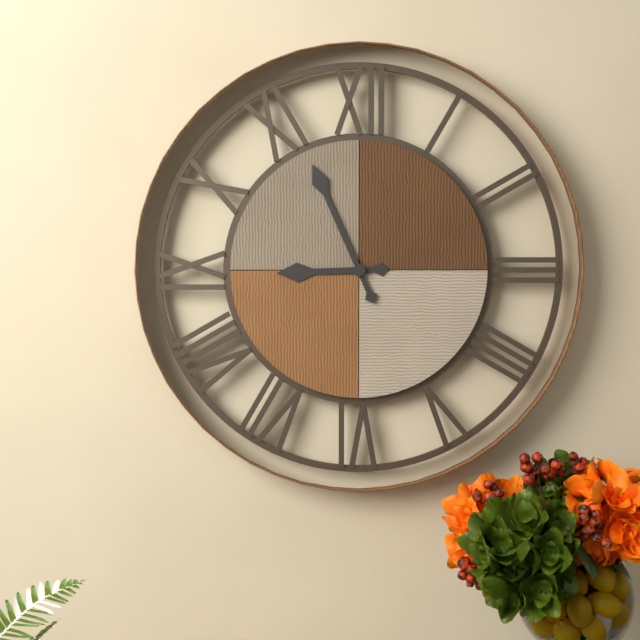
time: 8:56
